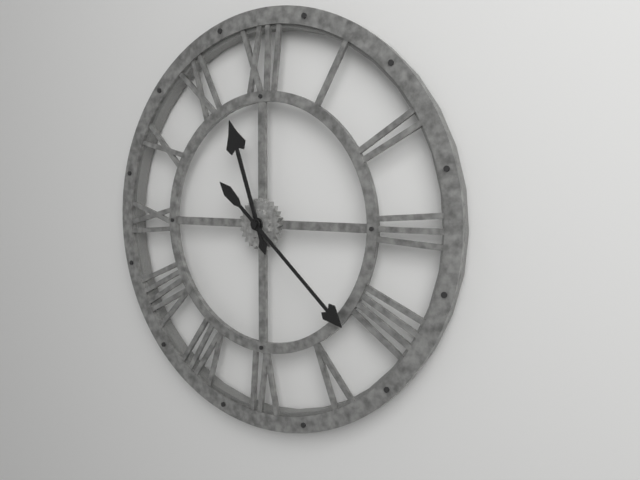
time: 11:22
